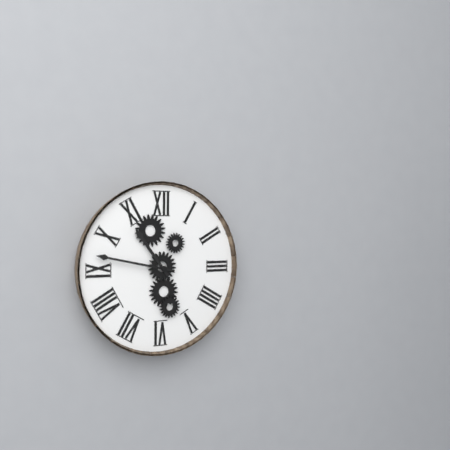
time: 10:47
